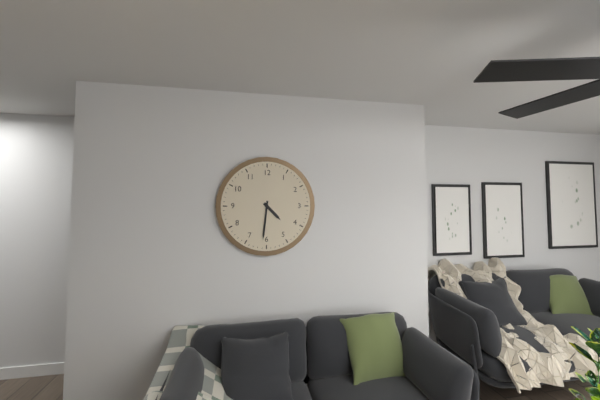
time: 4:31
